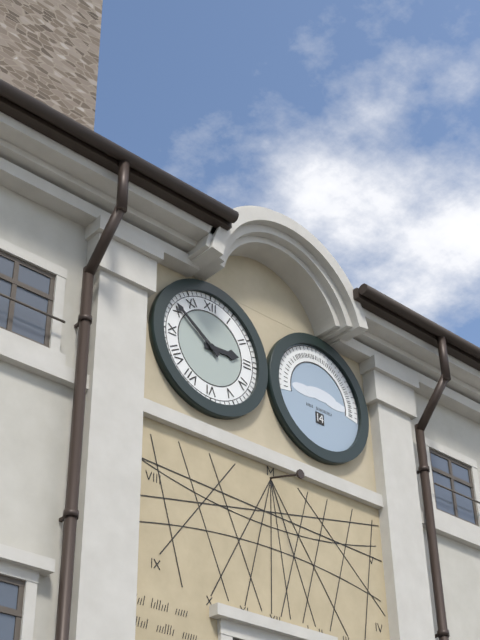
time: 2:51
